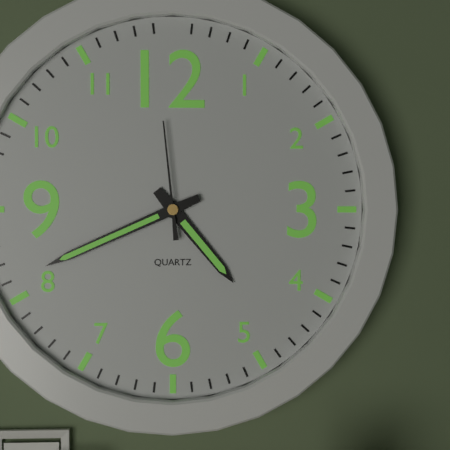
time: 4:41:59
